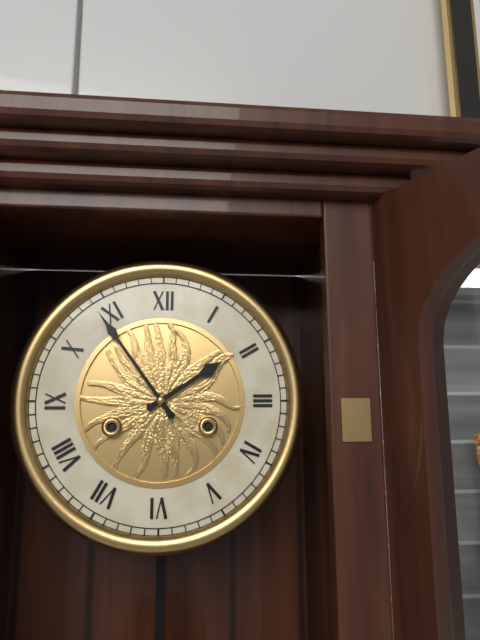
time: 1:54
